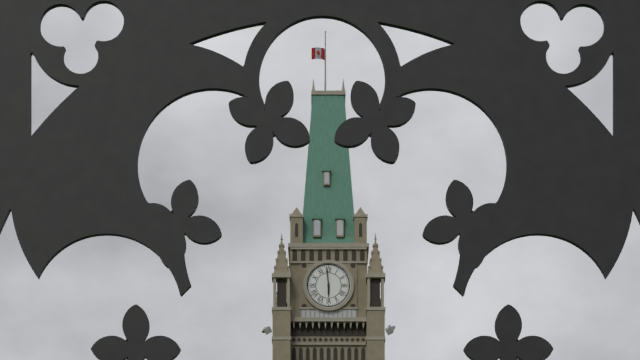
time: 5:59
